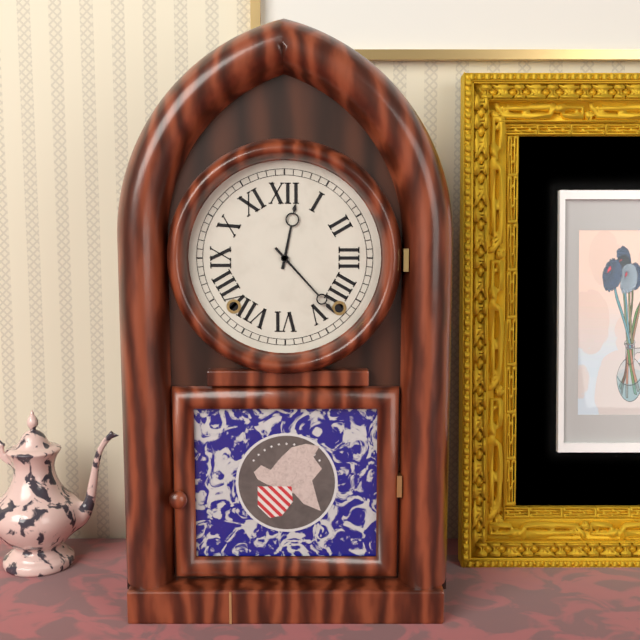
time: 12:23
